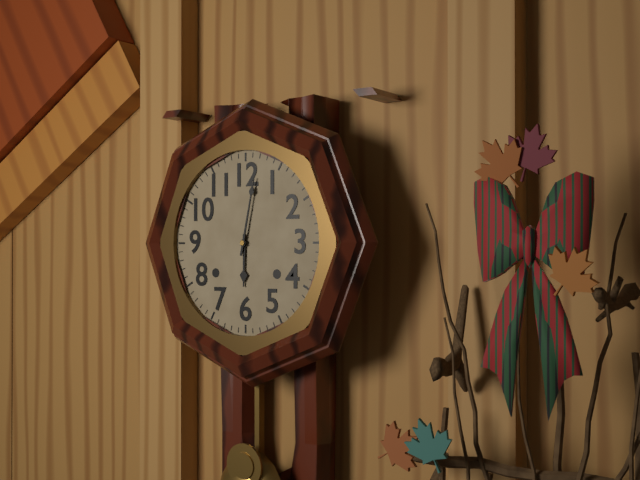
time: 6:02
